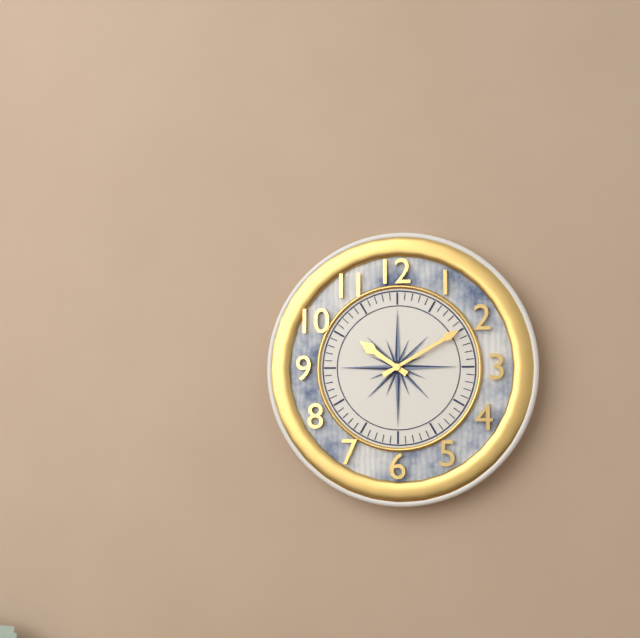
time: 10:10
